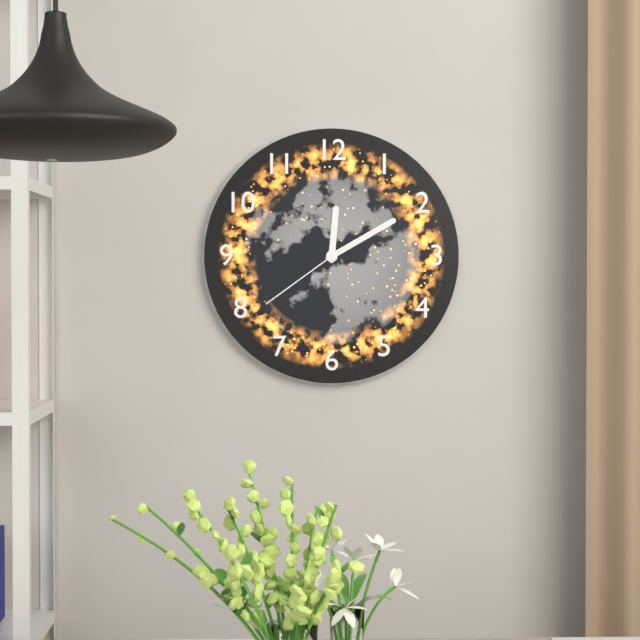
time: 12:10:39
